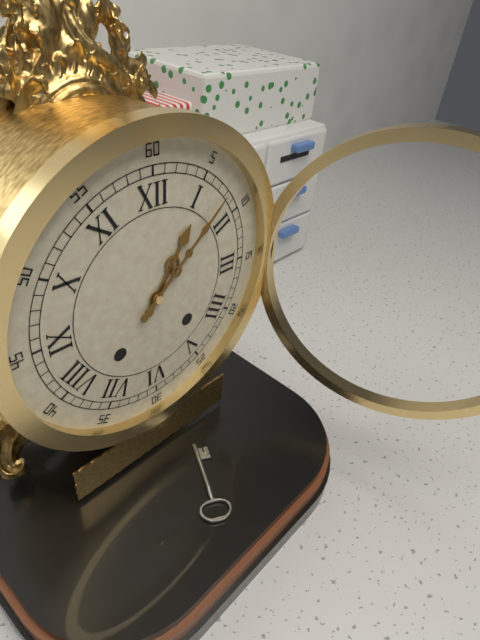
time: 1:08
